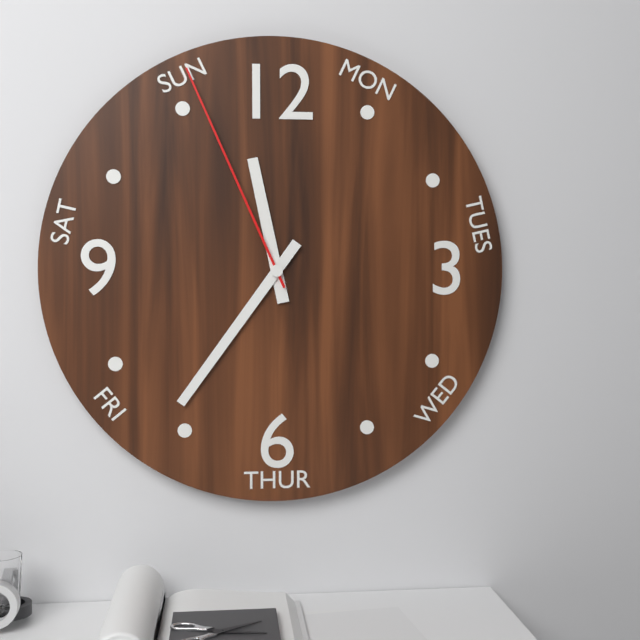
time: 11:36:56
